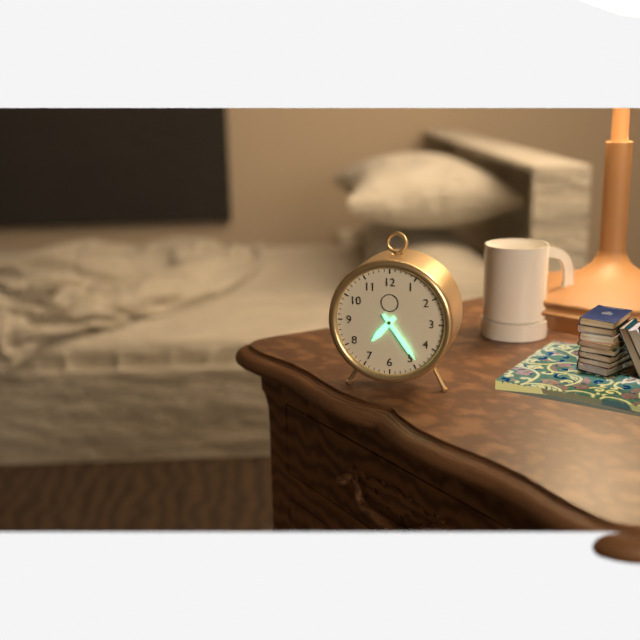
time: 7:24
